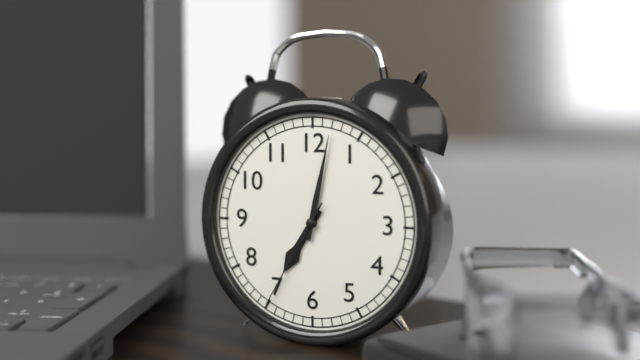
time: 7:02:35
